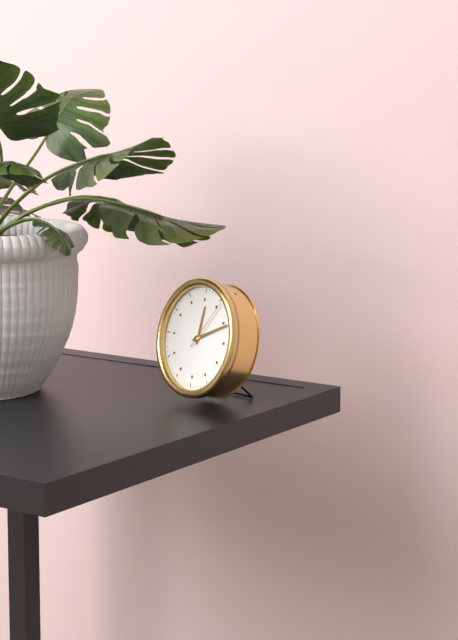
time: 12:11:06
